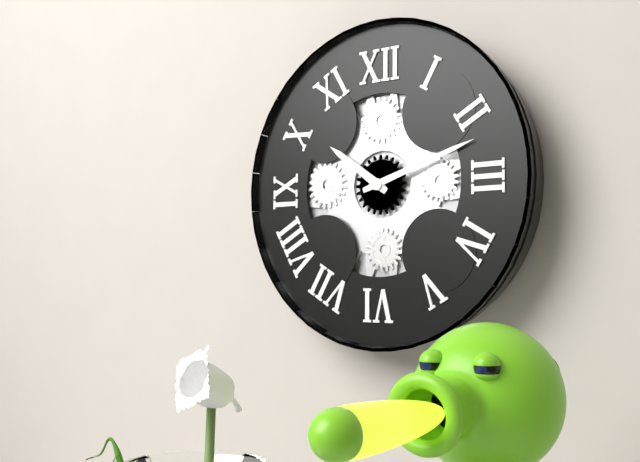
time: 10:12
